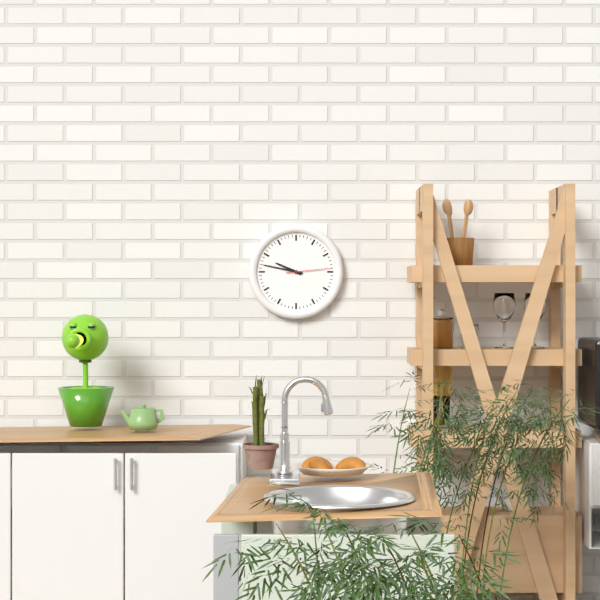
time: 9:47
